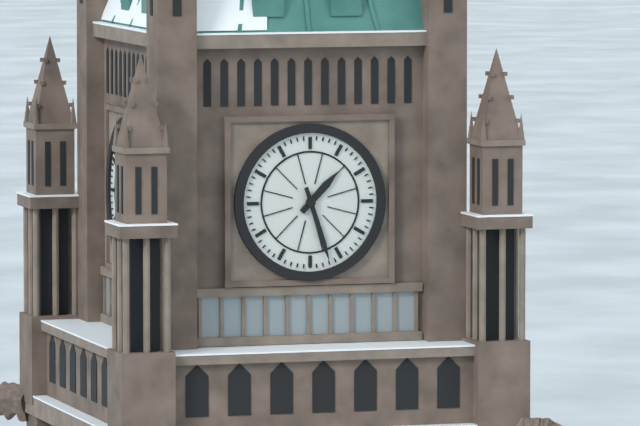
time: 1:27
